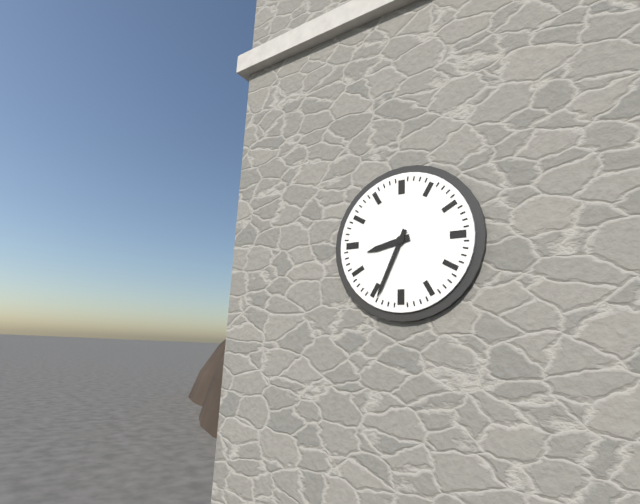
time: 8:34
